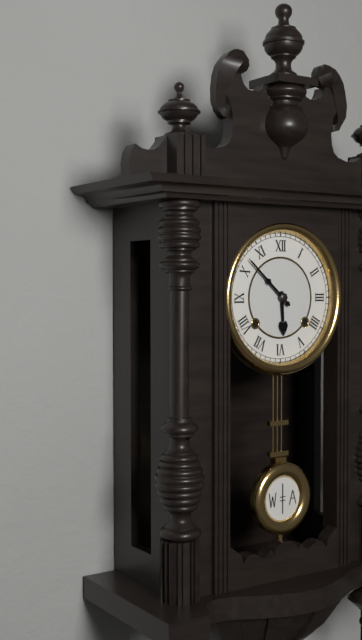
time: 5:52
